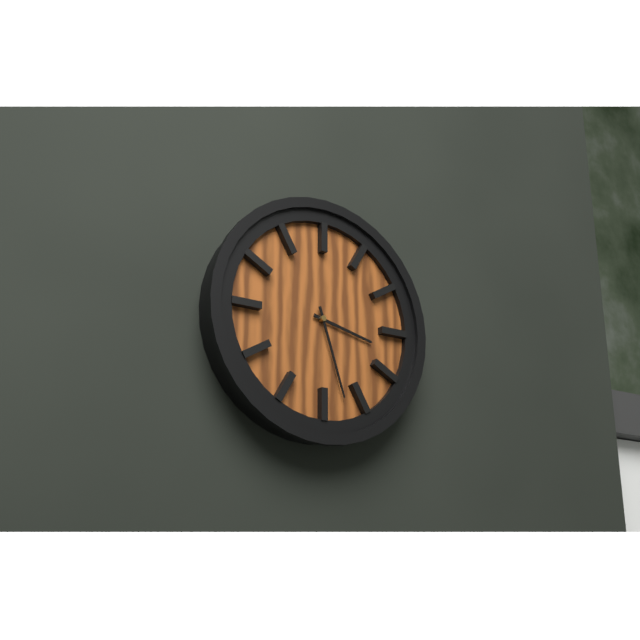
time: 3:27
